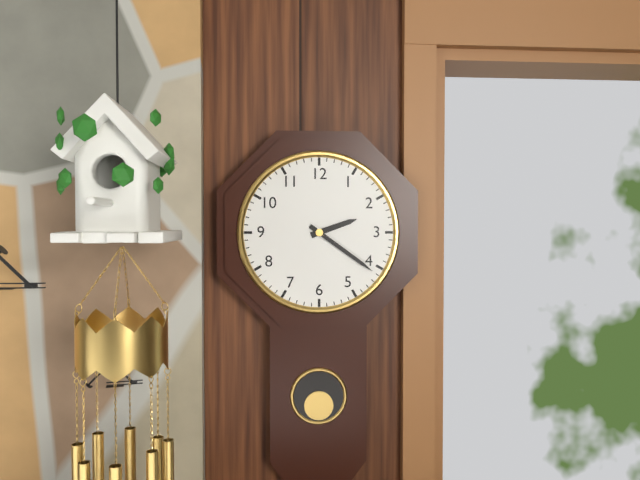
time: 2:21
